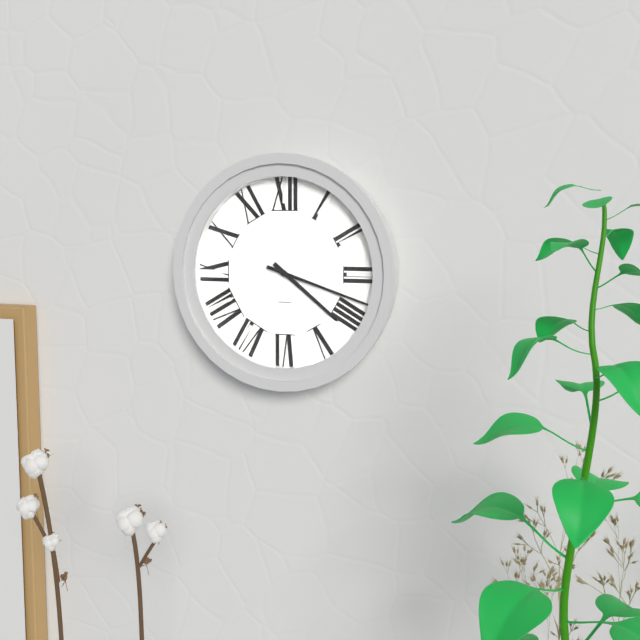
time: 4:18
